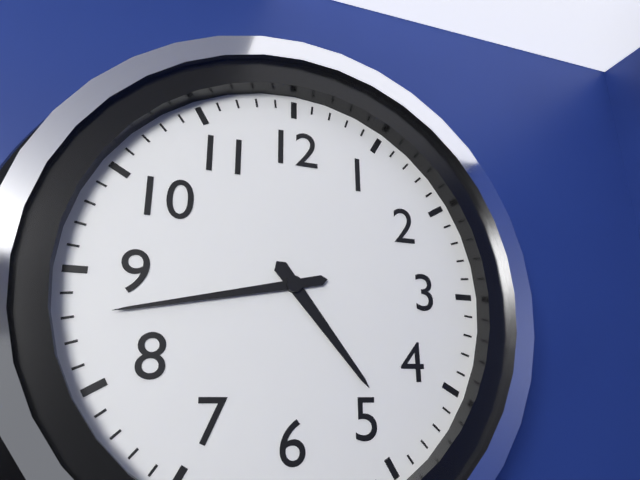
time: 4:43
